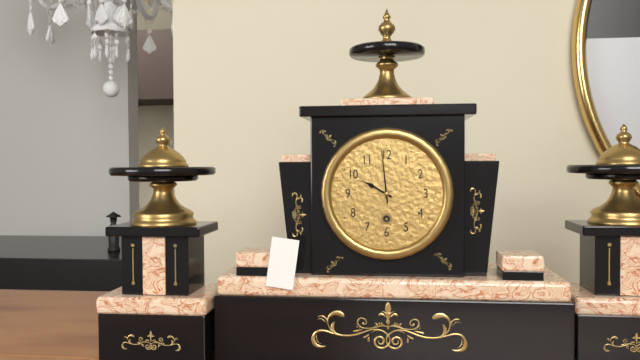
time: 9:59
